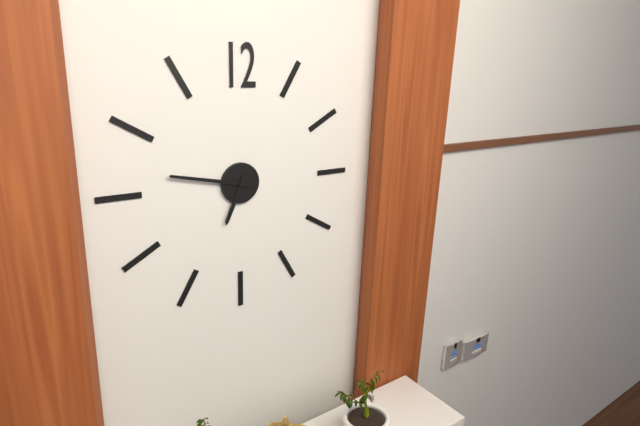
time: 6:47
